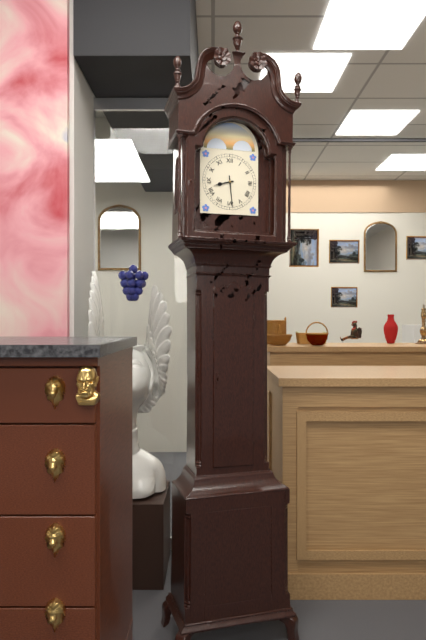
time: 8:29
